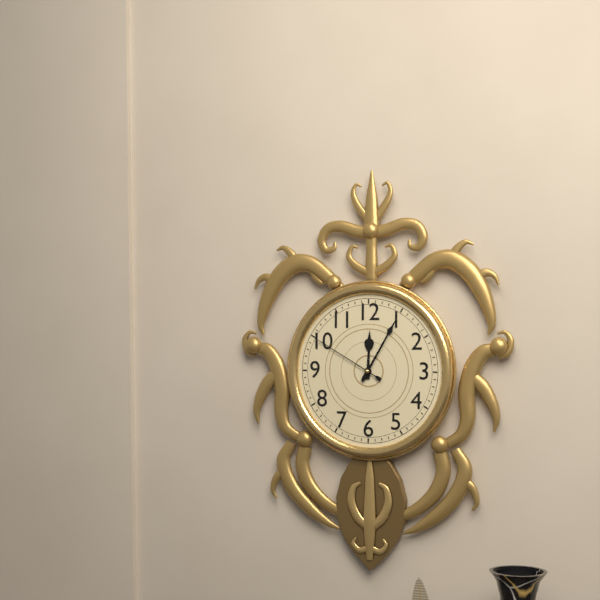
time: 12:05:50
